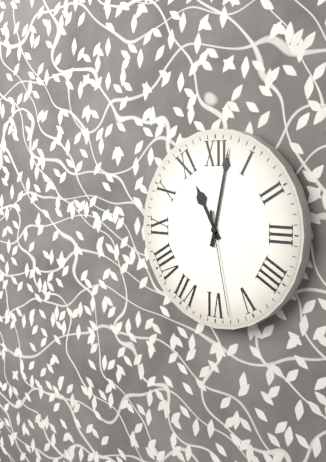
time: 11:02:28
